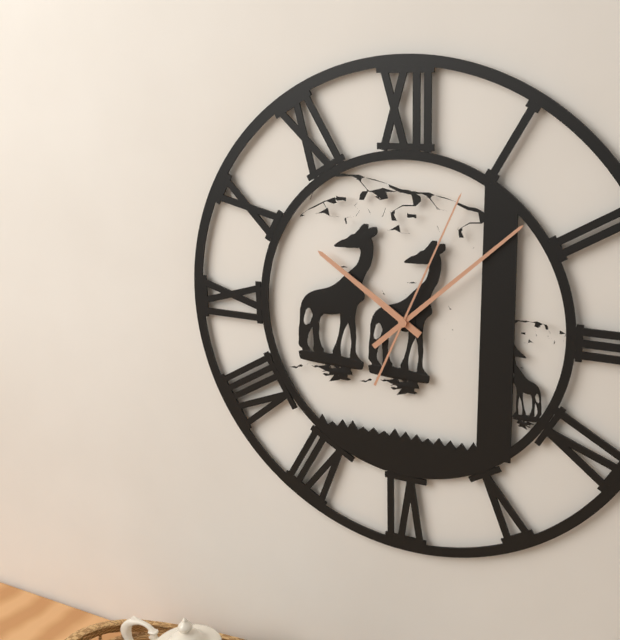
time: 10:08:04
